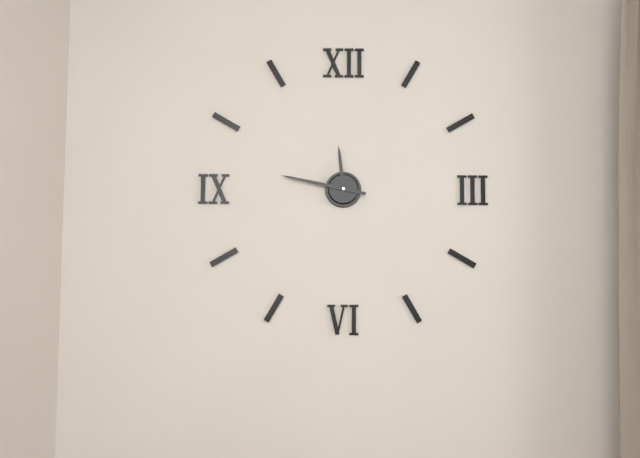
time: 11:47
